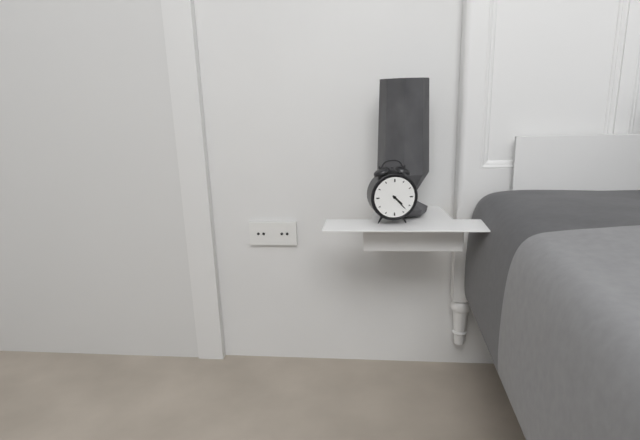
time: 4:23
